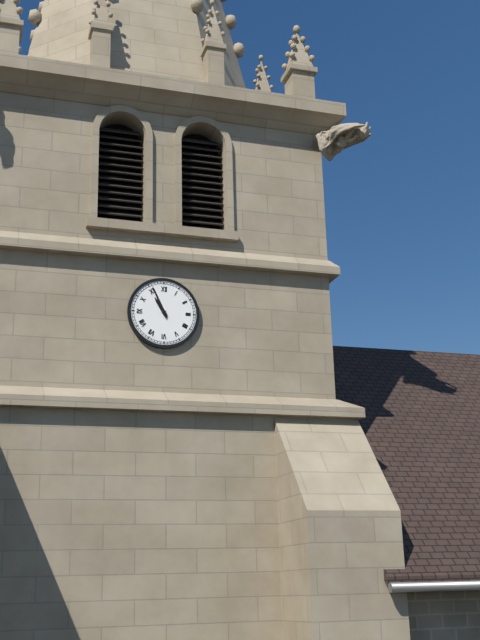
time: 10:56
